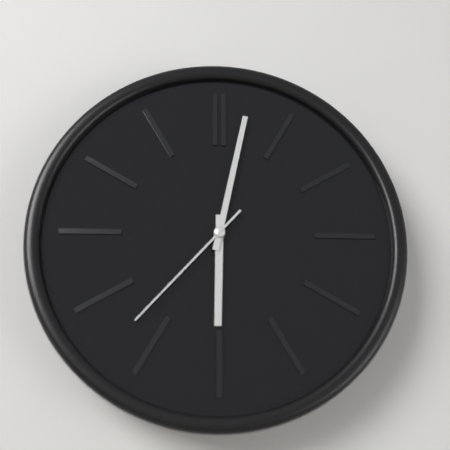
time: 6:02:37
